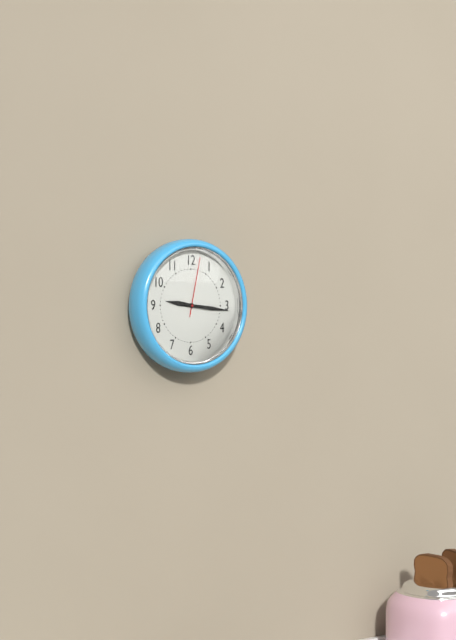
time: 9:16:02
